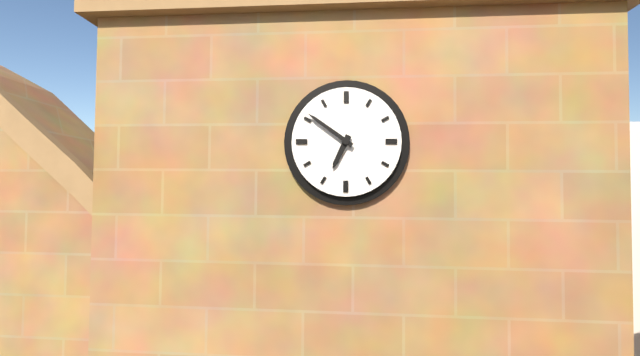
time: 6:51
